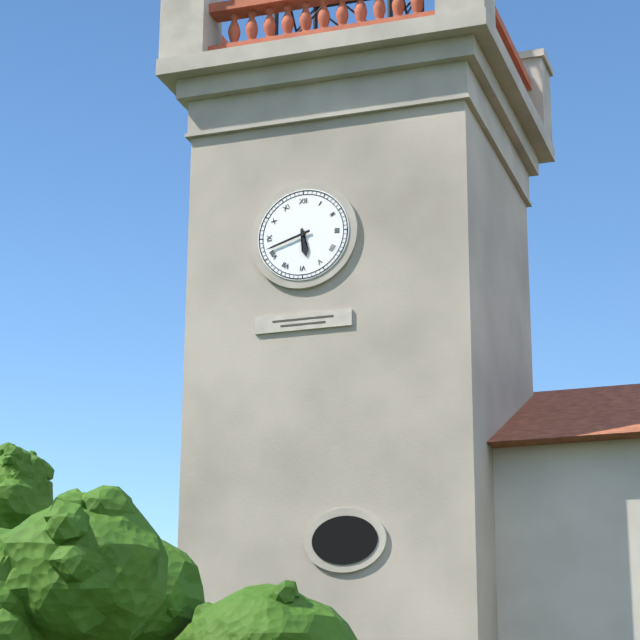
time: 5:42
